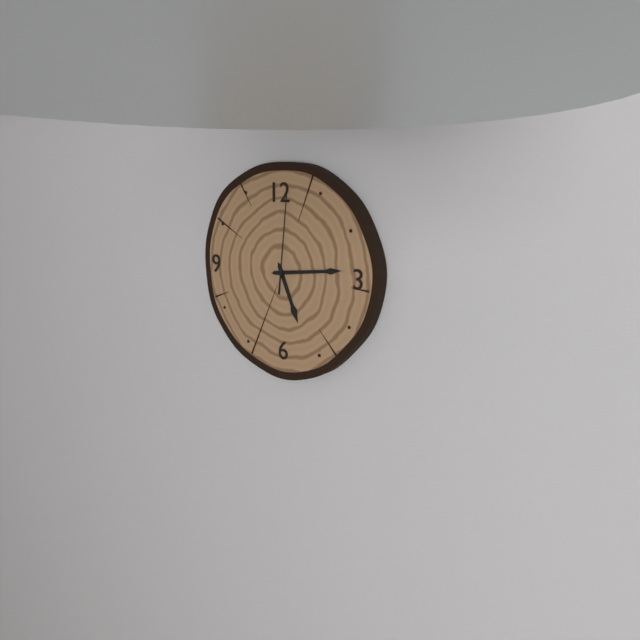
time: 5:14:01
